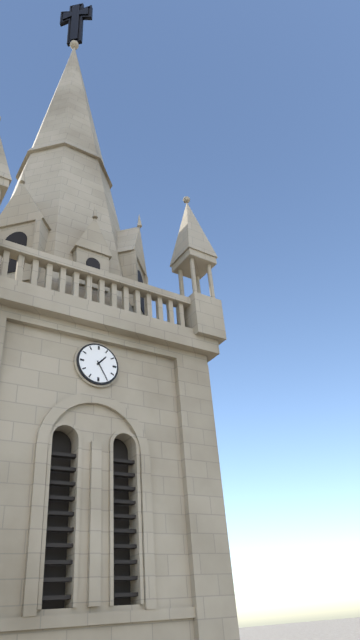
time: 1:25
